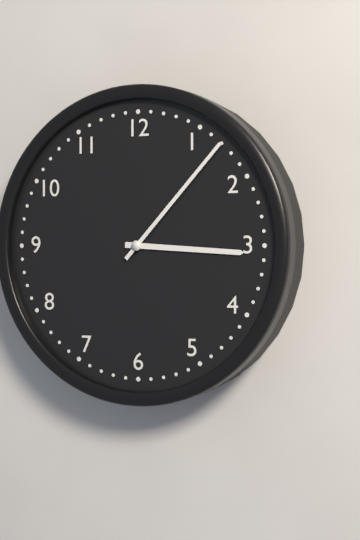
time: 3:07
